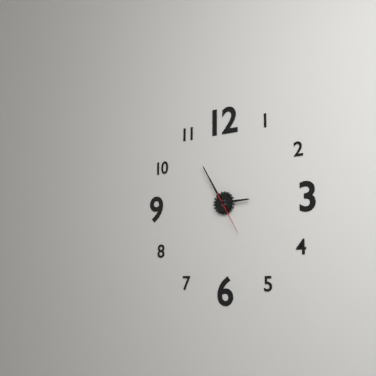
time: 2:55
